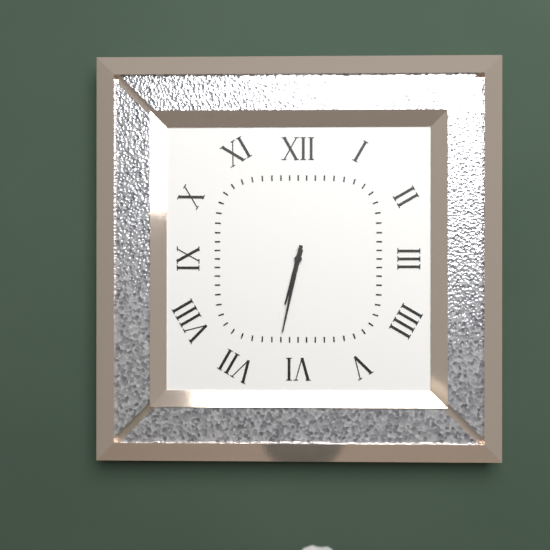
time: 6:32
